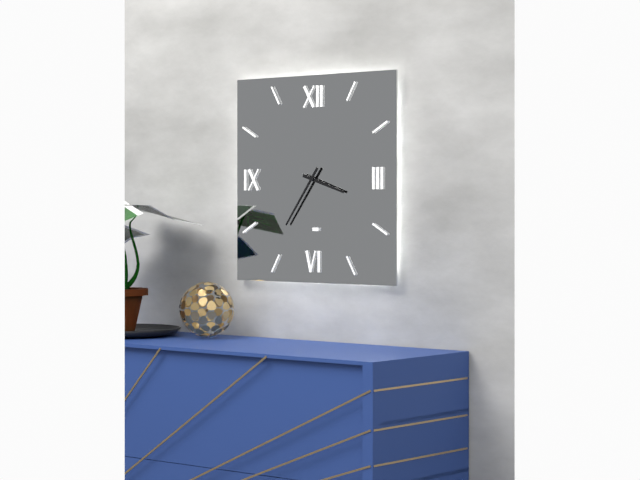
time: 3:36
